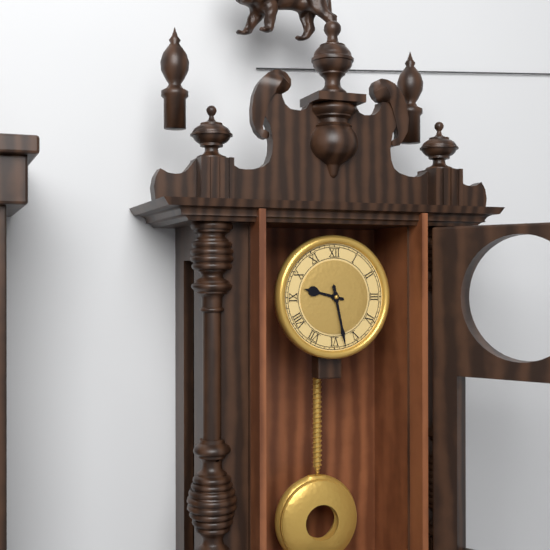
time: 9:28
